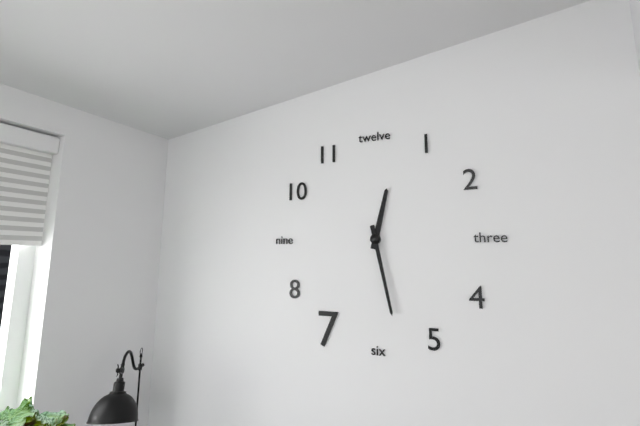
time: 12:28
